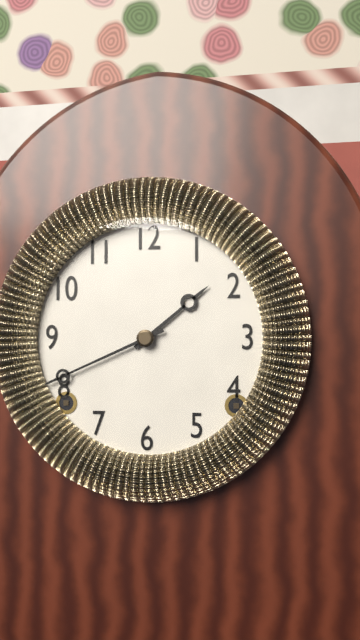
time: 1:41
